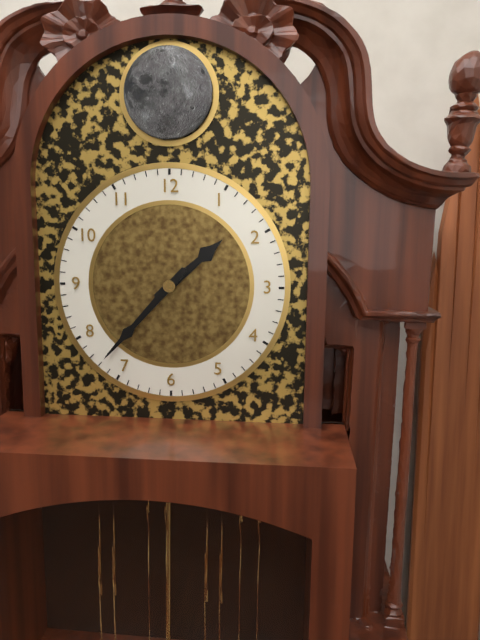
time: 1:37
